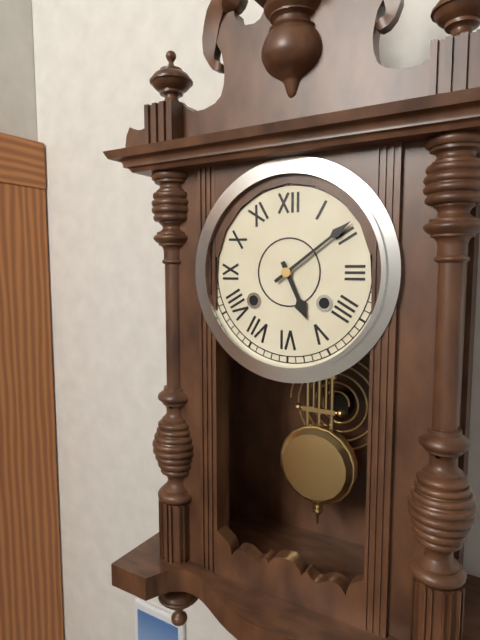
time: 5:09
